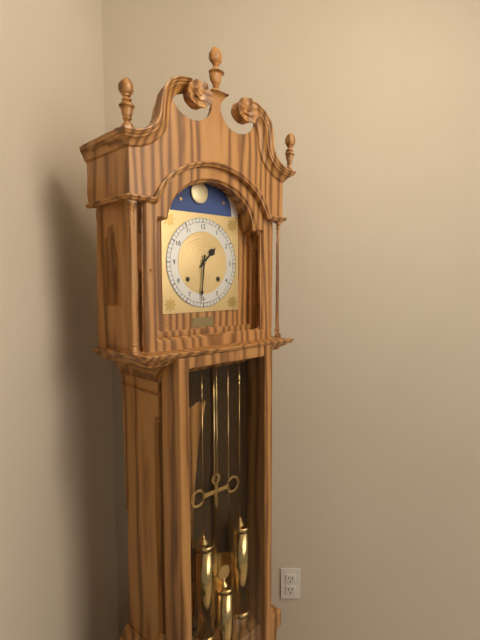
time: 1:31
